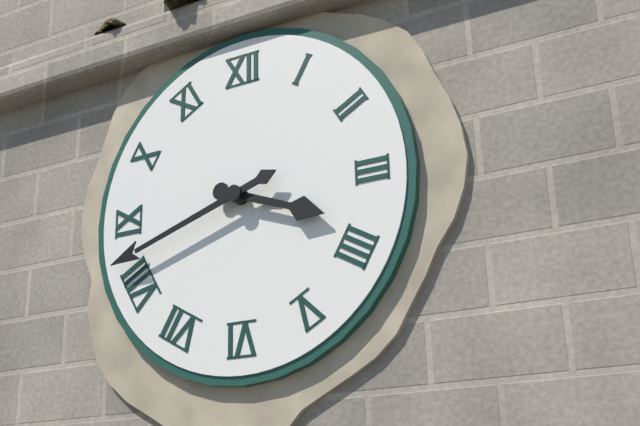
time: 3:42
